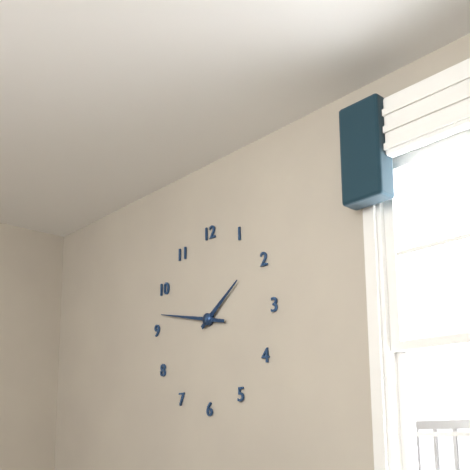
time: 1:47
